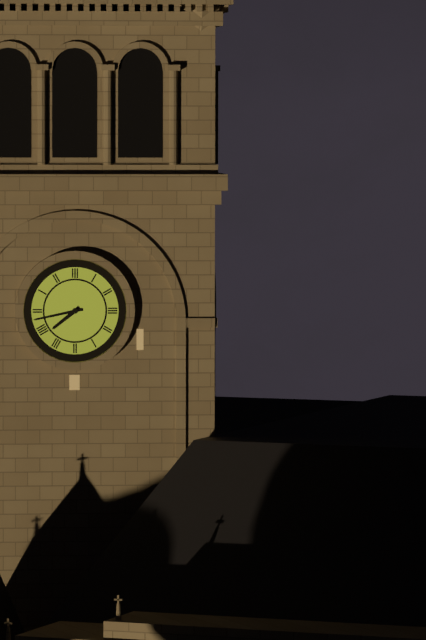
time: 7:43
